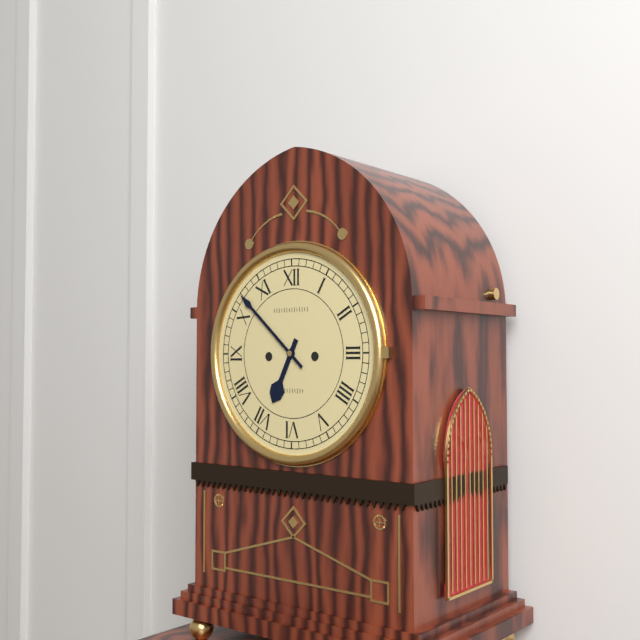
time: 6:52
